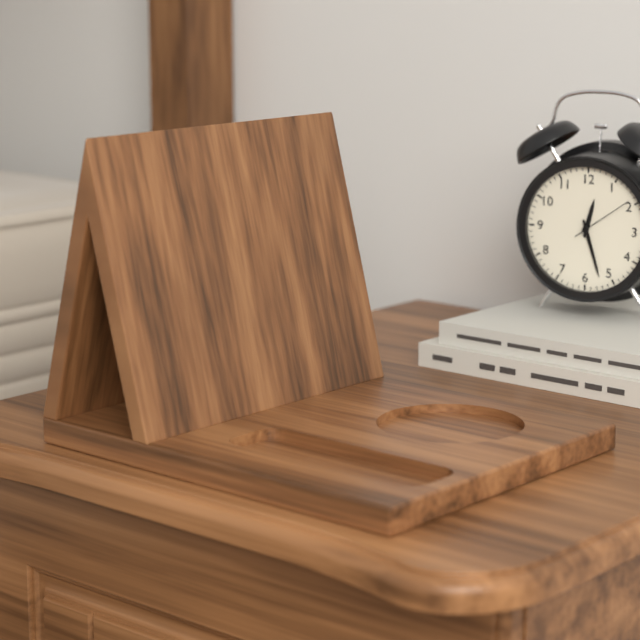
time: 12:27:09
